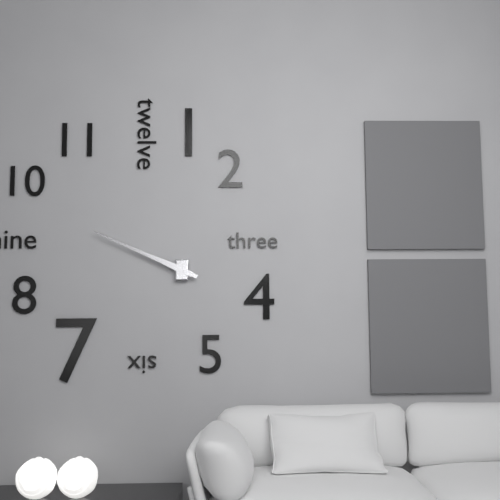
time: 9:49
